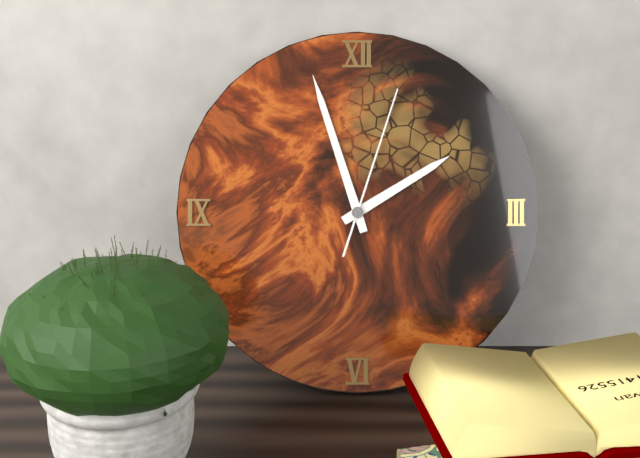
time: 1:57:03
